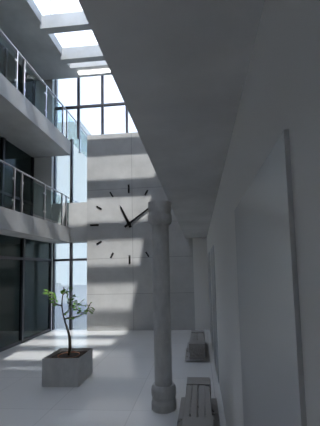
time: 11:09
